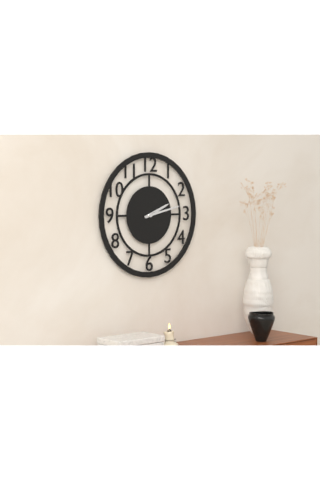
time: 2:13
